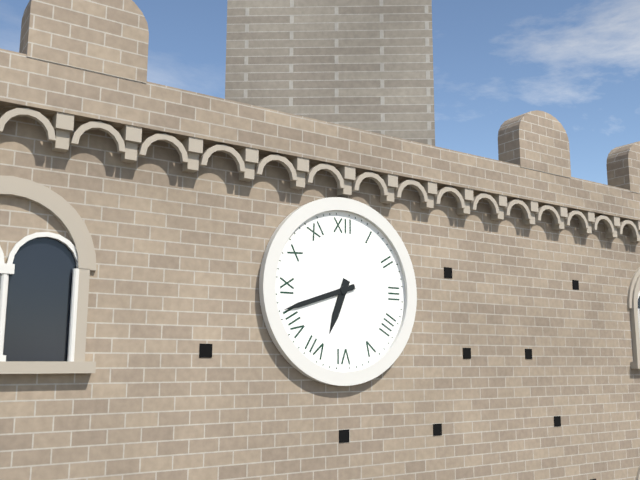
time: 6:42
